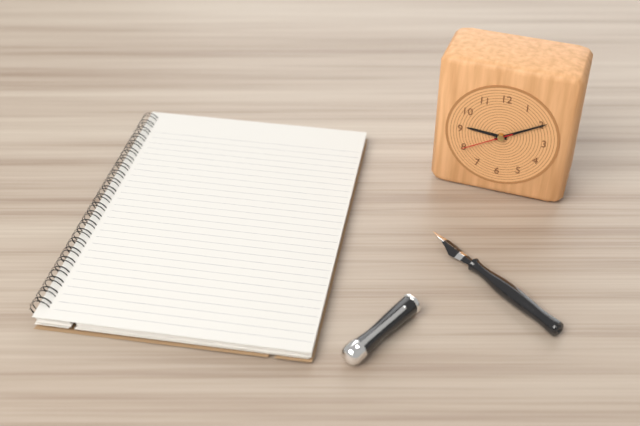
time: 9:10:40
